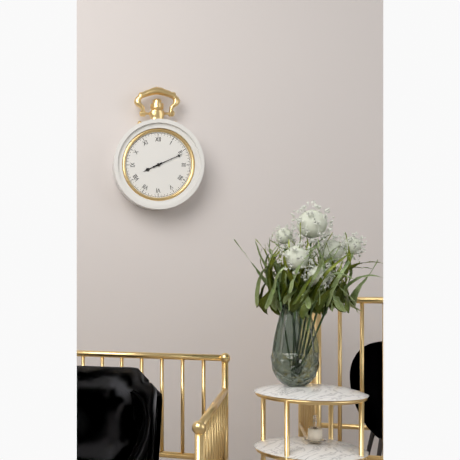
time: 8:11
